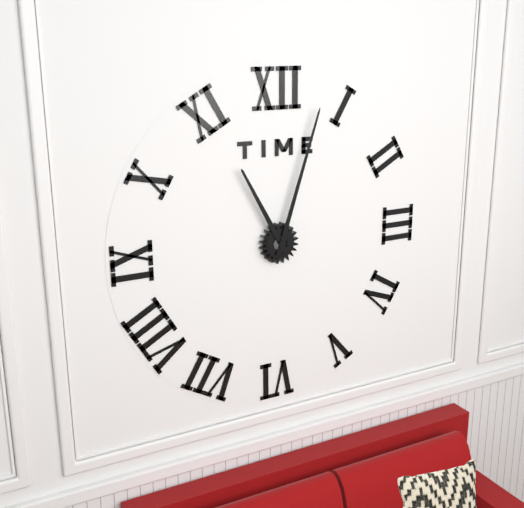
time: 11:03
